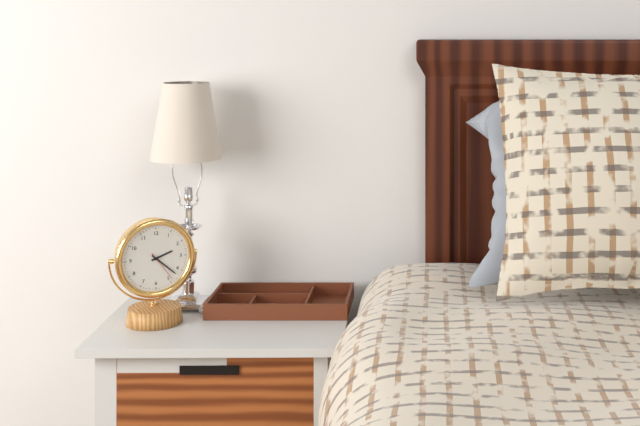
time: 2:22
